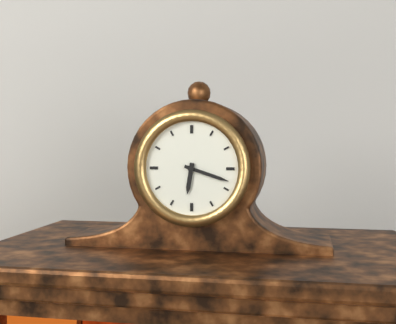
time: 6:18
